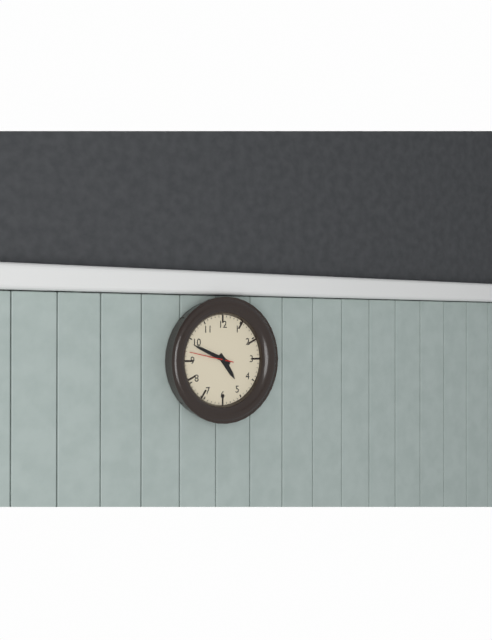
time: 4:49
